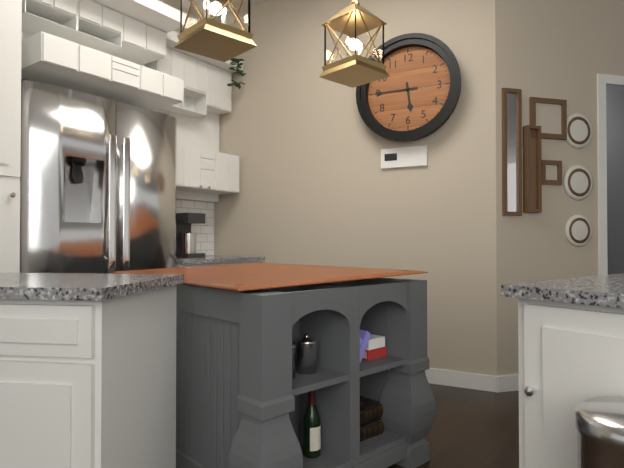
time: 5:45
